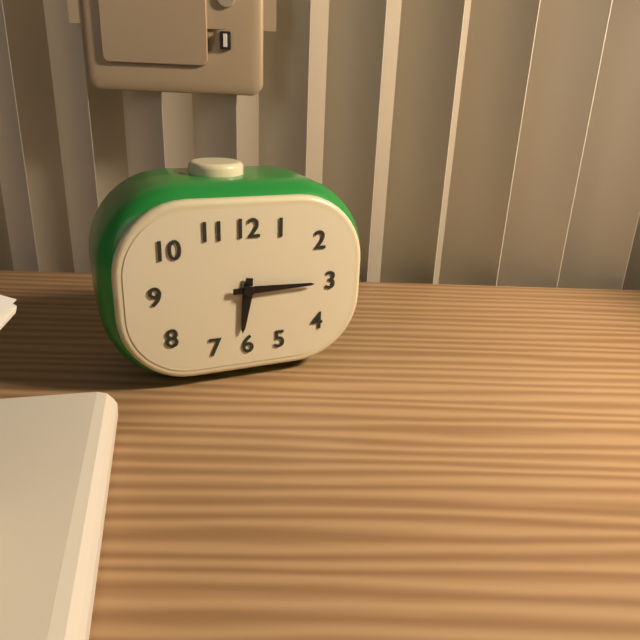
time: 6:15
